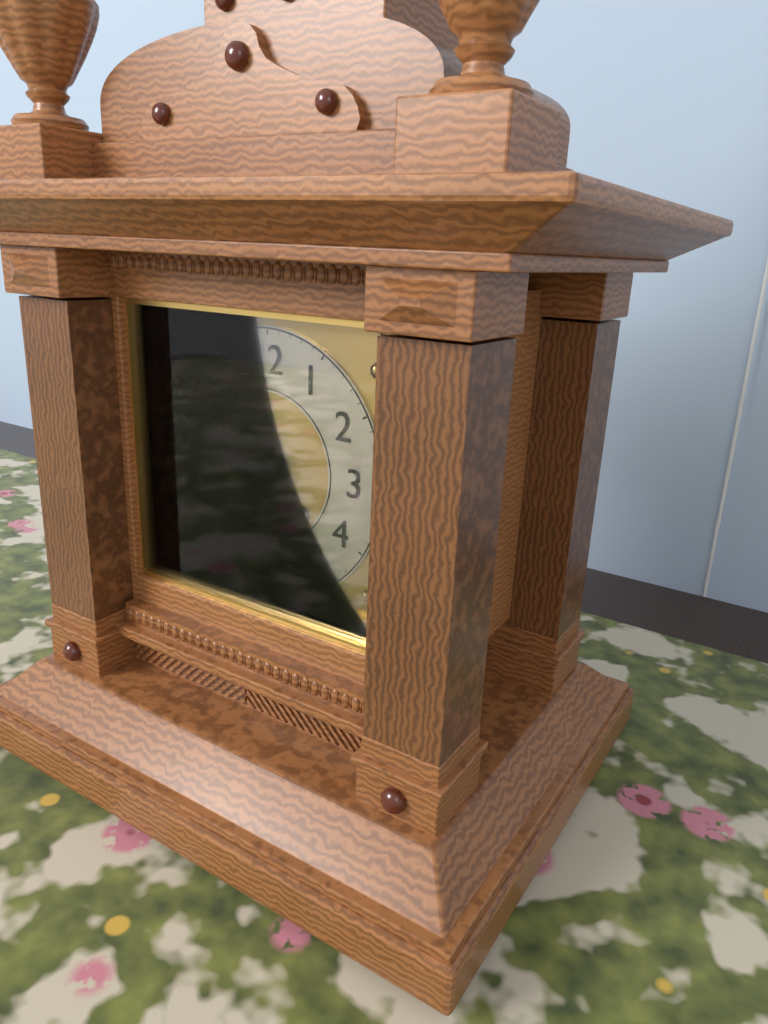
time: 7:41
